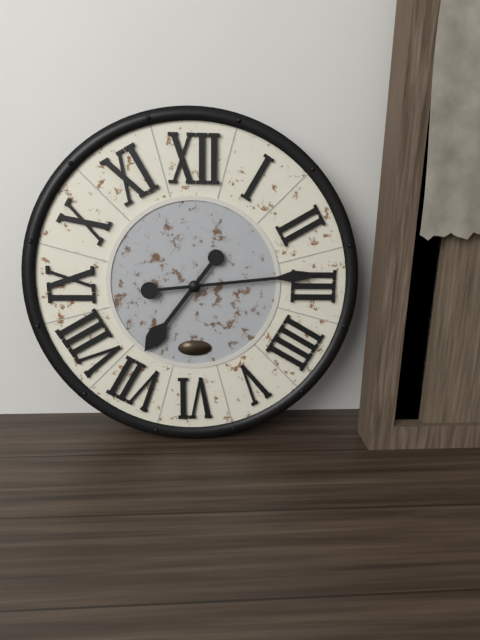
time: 7:14
